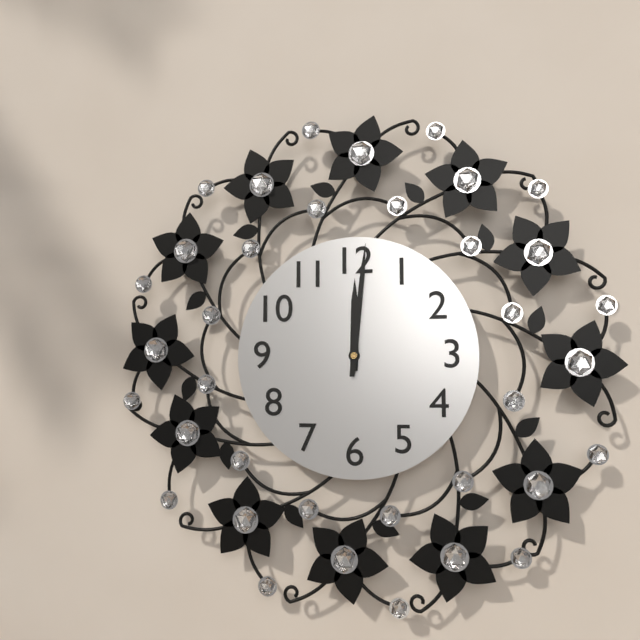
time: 12:01
